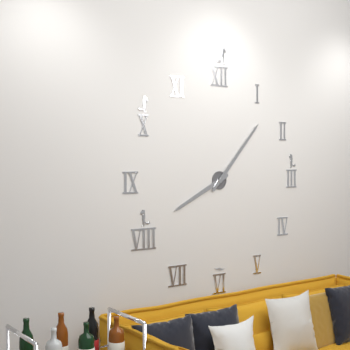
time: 8:07
